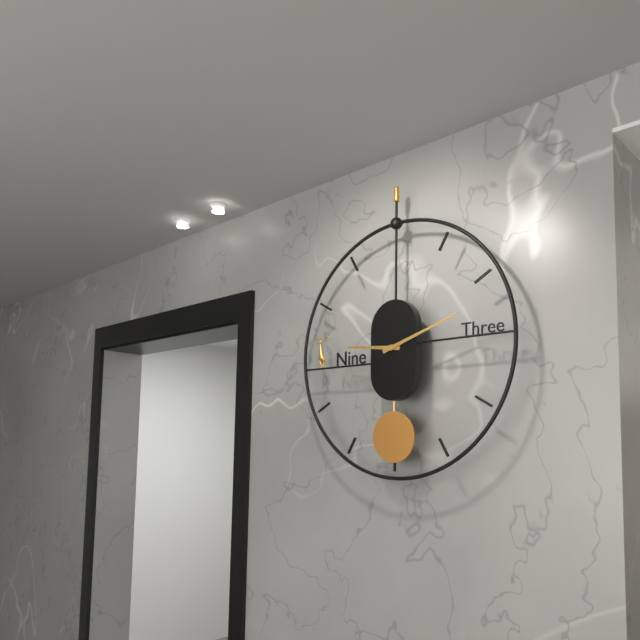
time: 9:12
